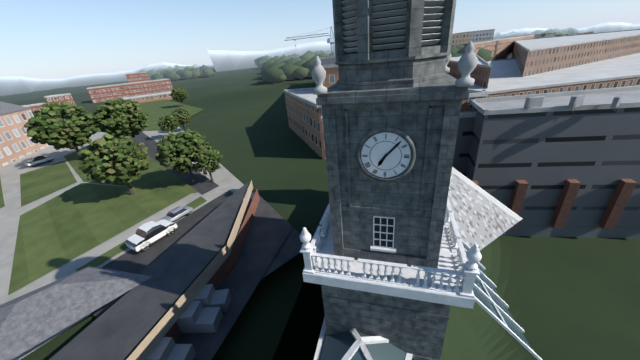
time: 7:07
